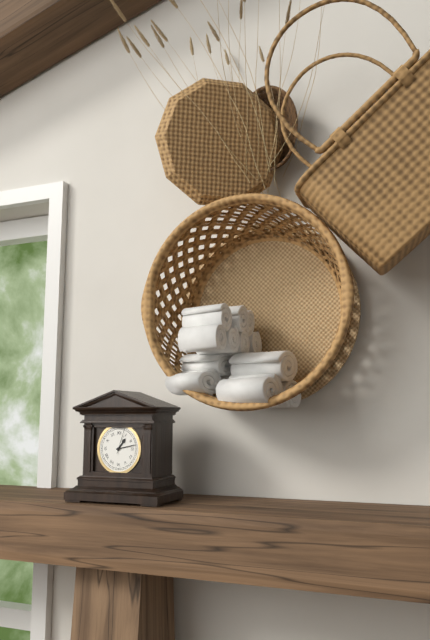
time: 1:13
